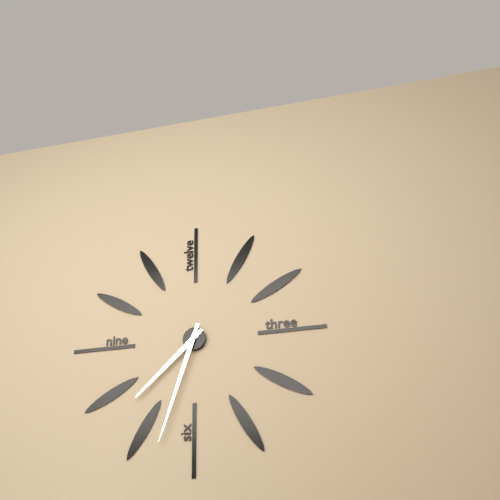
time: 7:33
